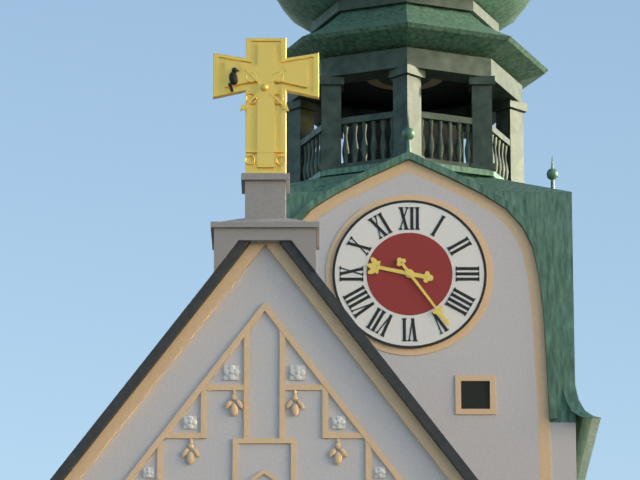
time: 9:24
